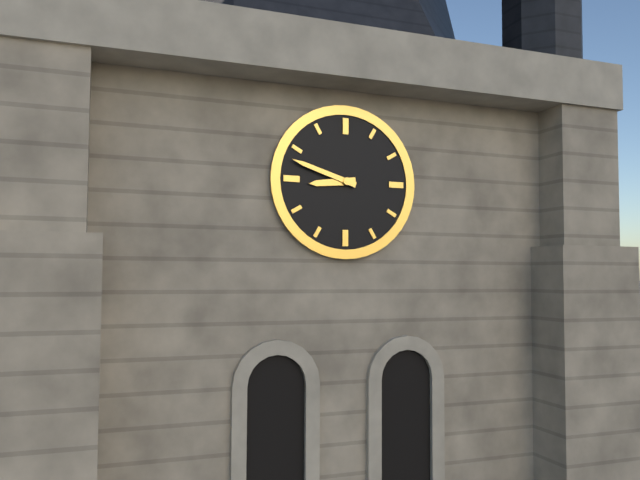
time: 8:48
